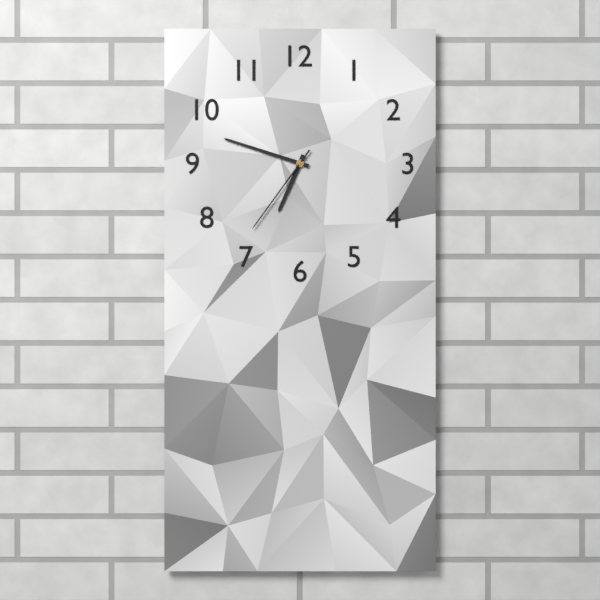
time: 6:48:36
